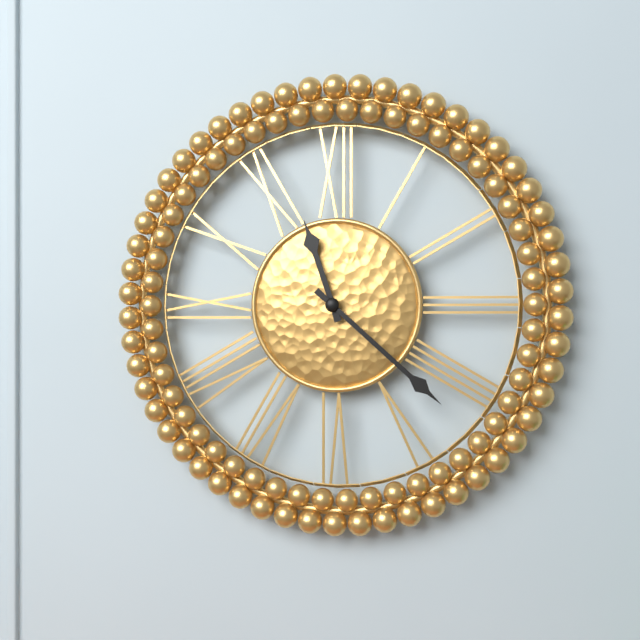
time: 11:22
